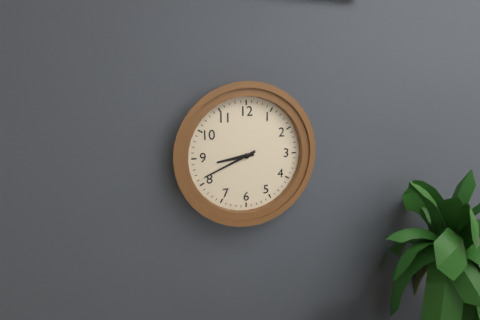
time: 8:41
